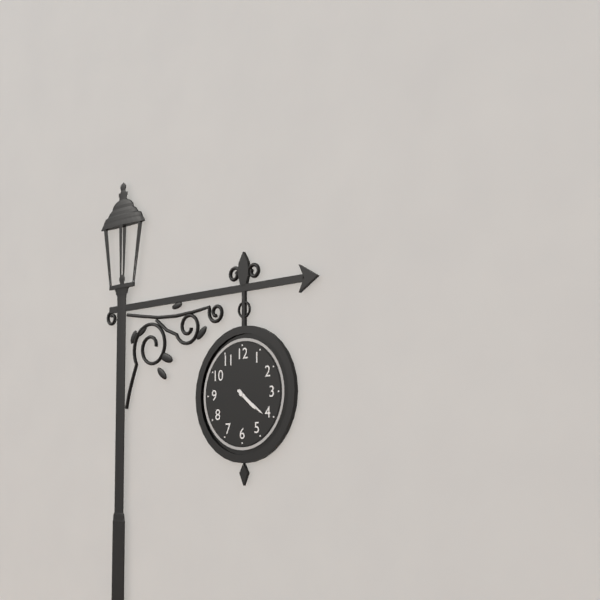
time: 4:21
